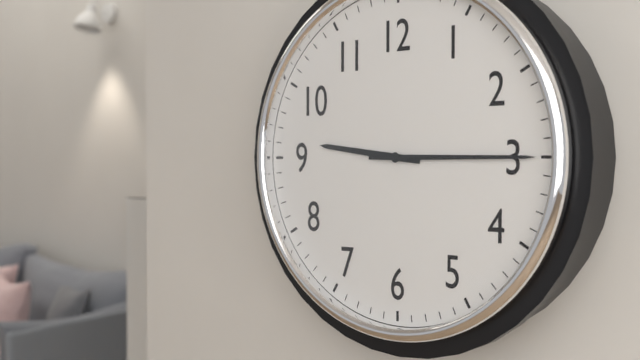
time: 9:15
